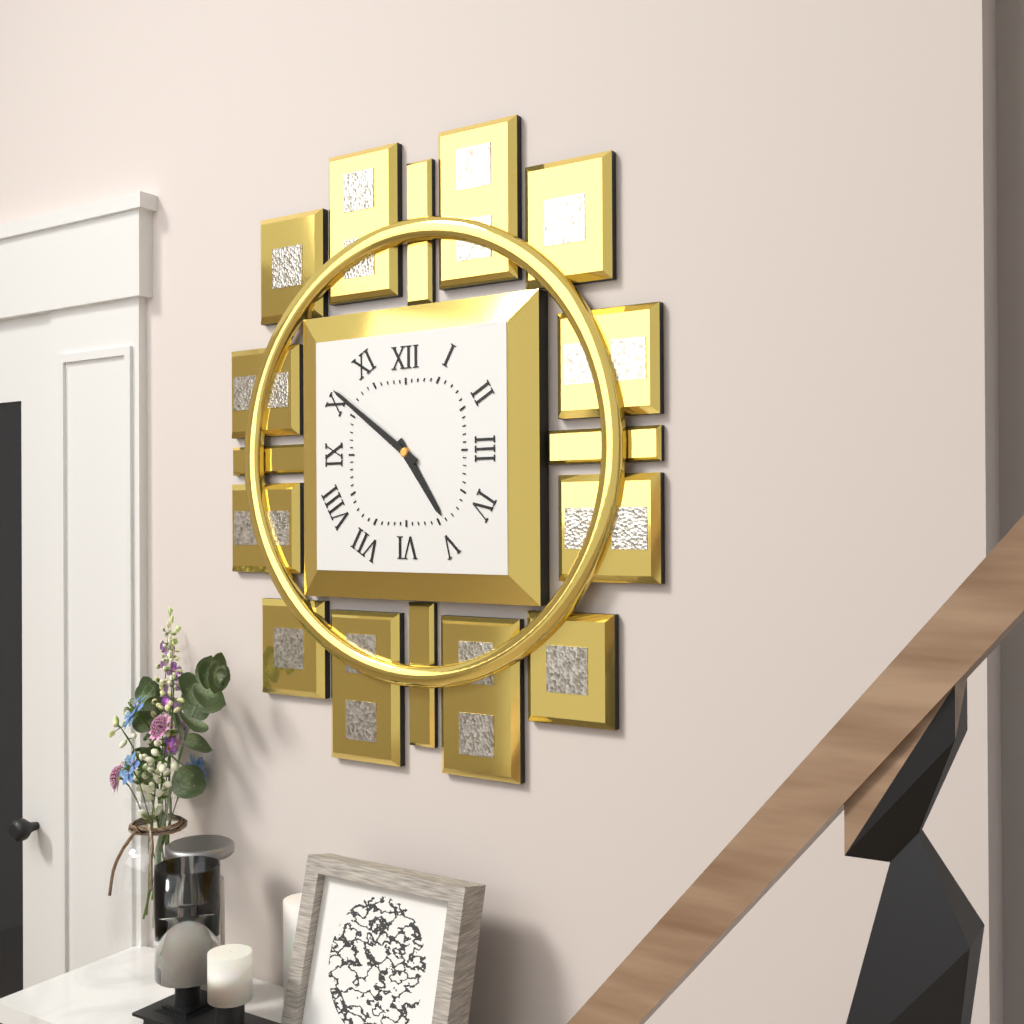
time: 4:51
